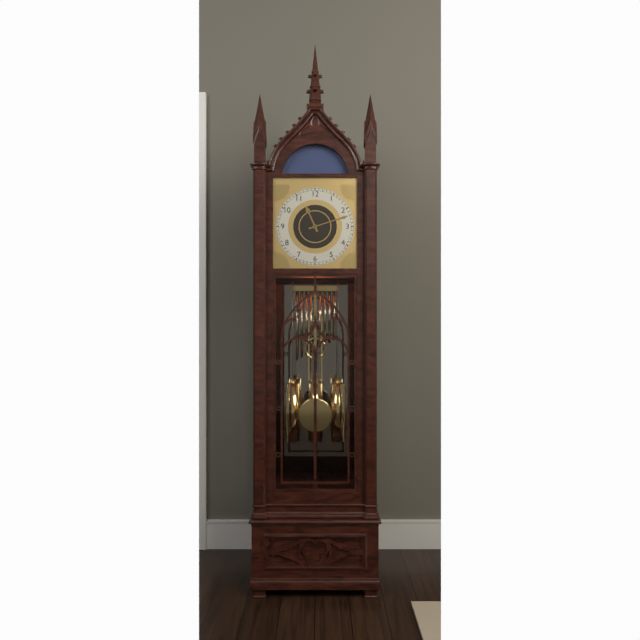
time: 11:12
